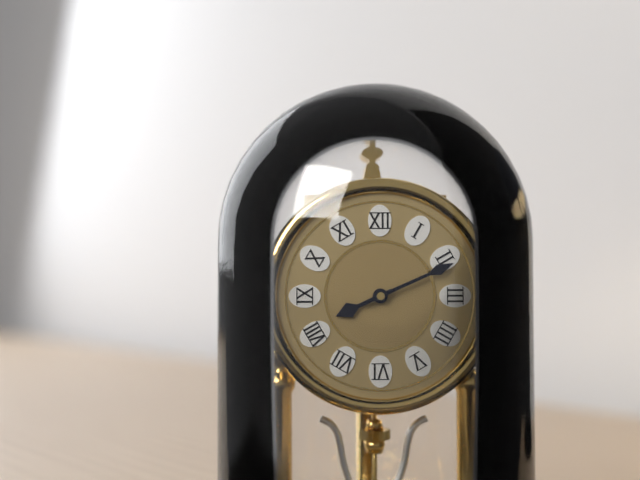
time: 8:11
